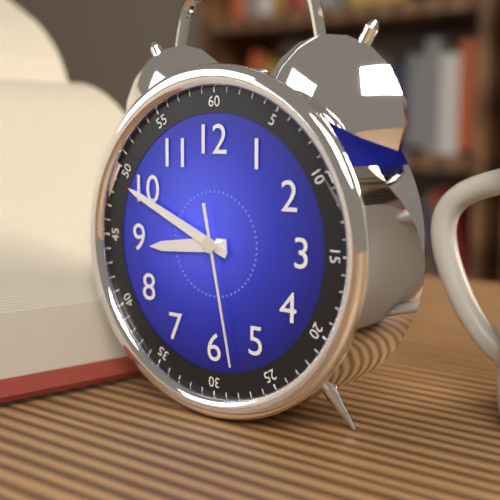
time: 8:49:28
